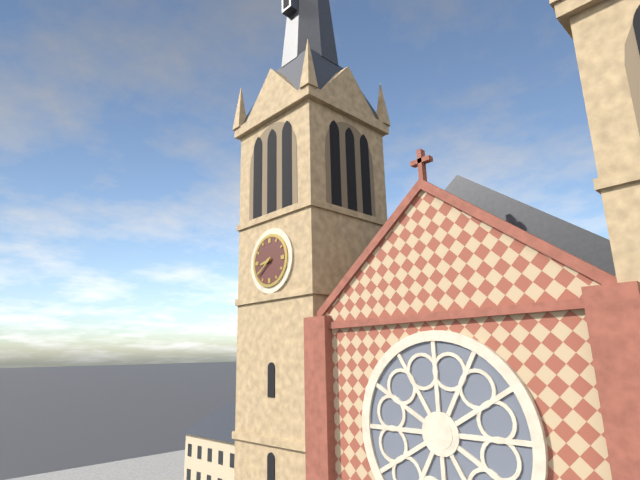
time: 8:39
